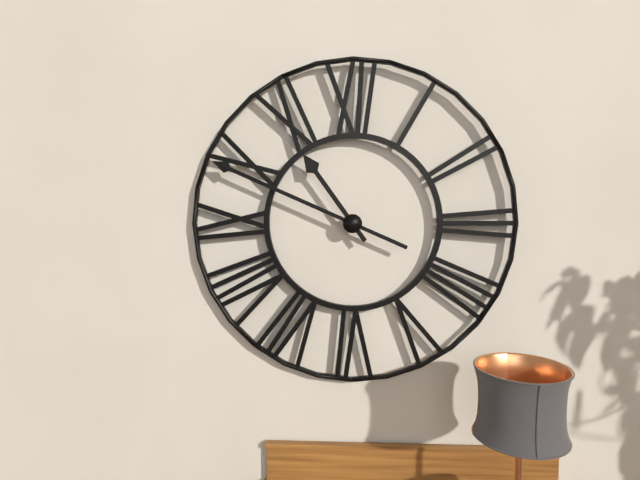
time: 10:49
